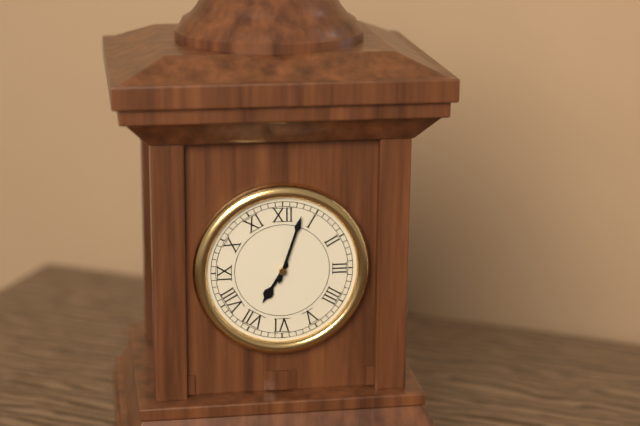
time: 7:03
